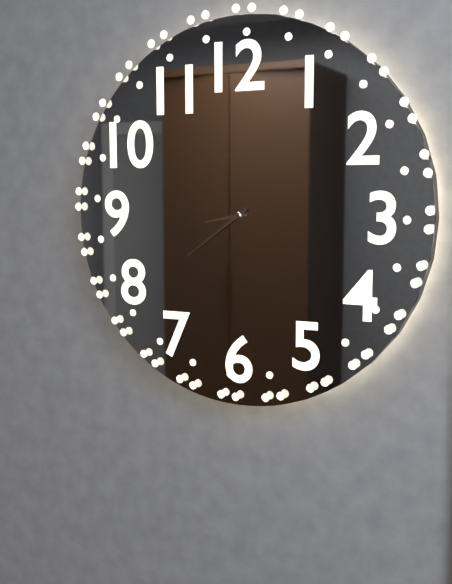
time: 8:39
